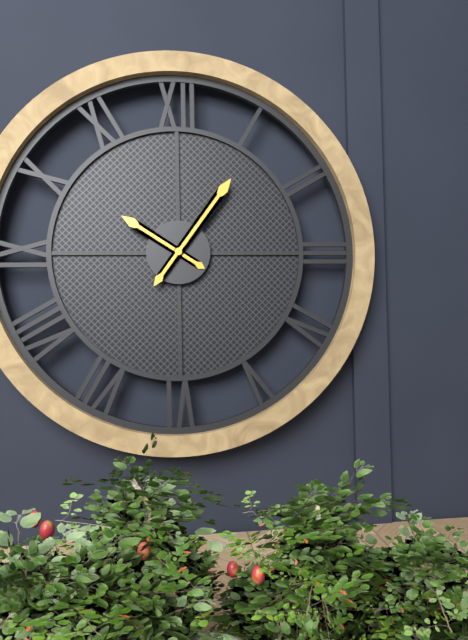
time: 10:06
